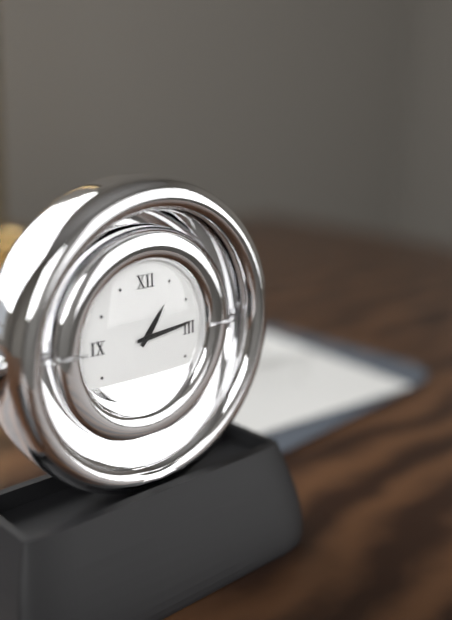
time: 1:14
